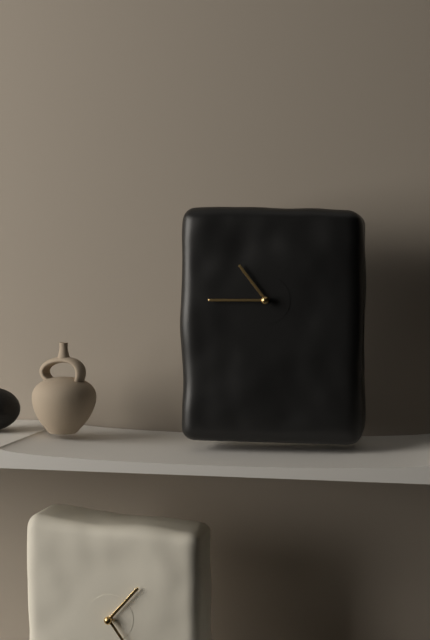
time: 10:45
